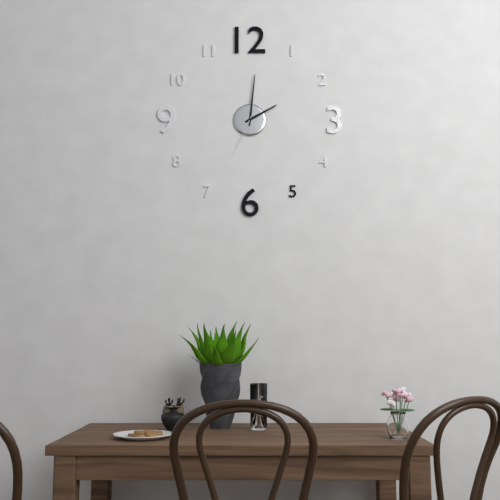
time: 2:01:34
